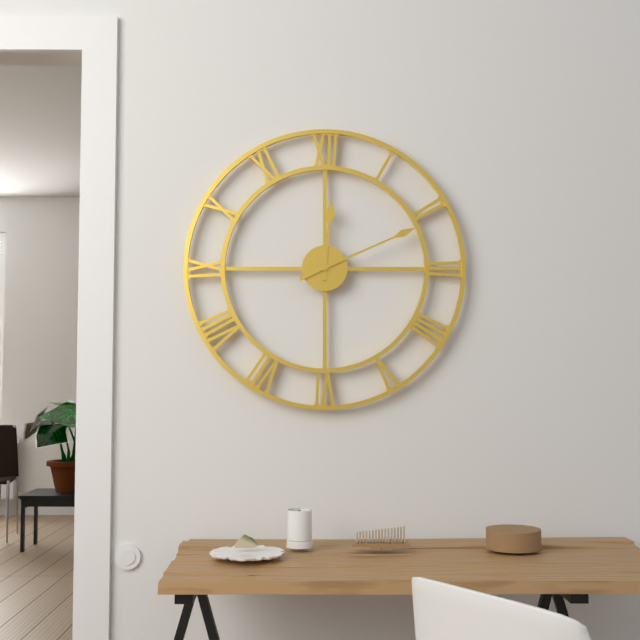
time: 12:11
